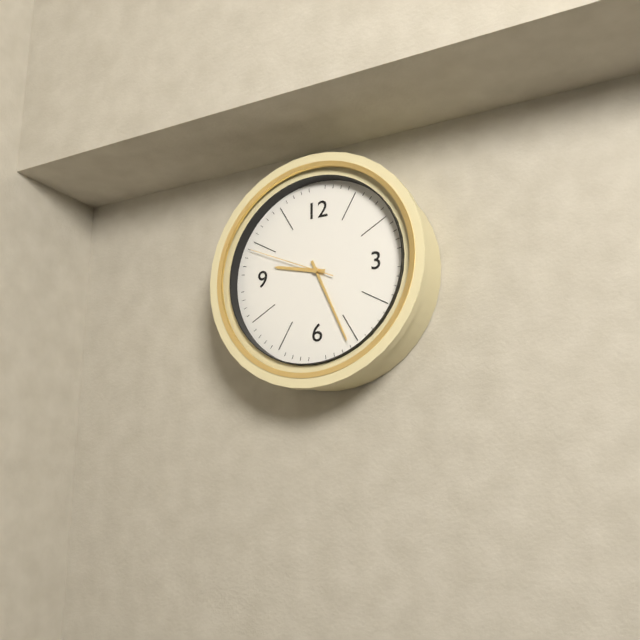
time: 9:26:49
